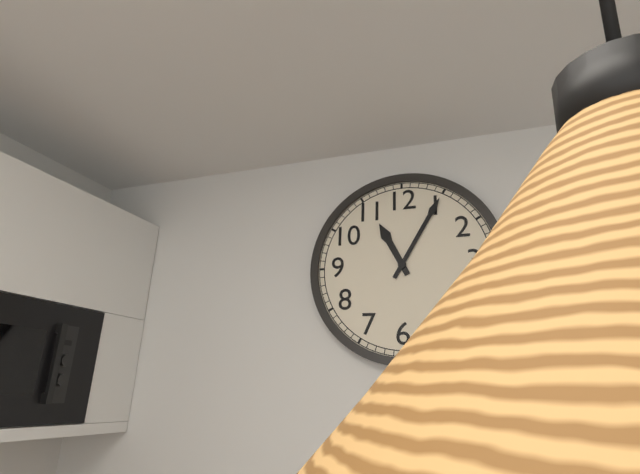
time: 11:05
